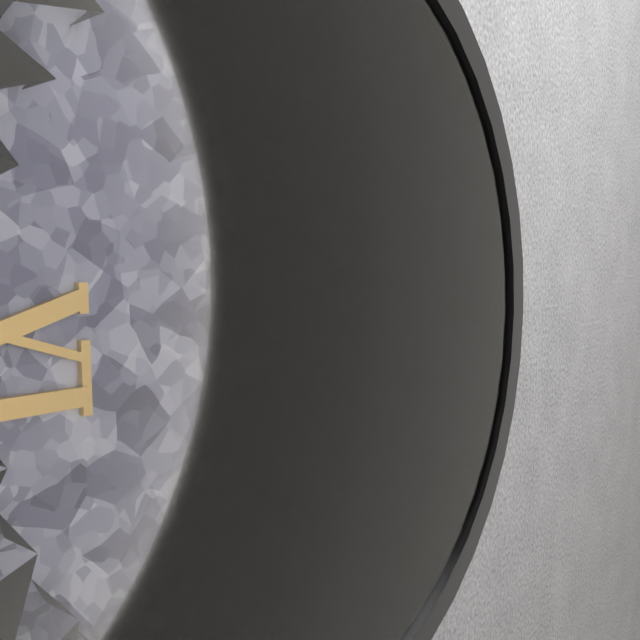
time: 7:16
